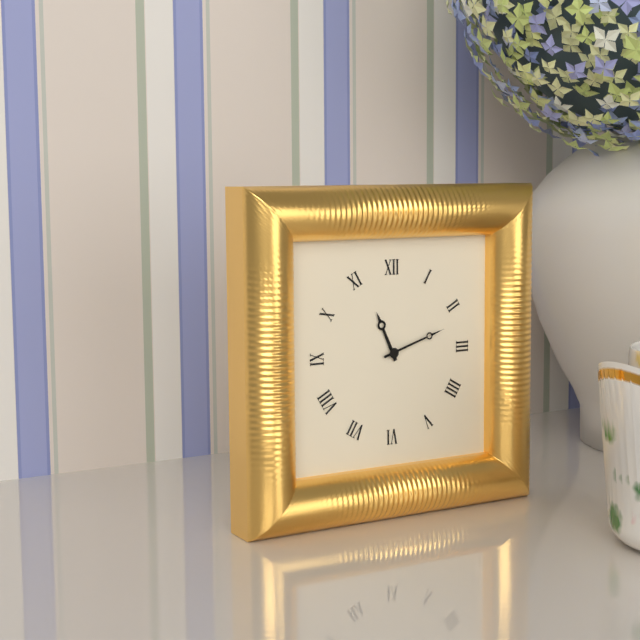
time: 11:12
